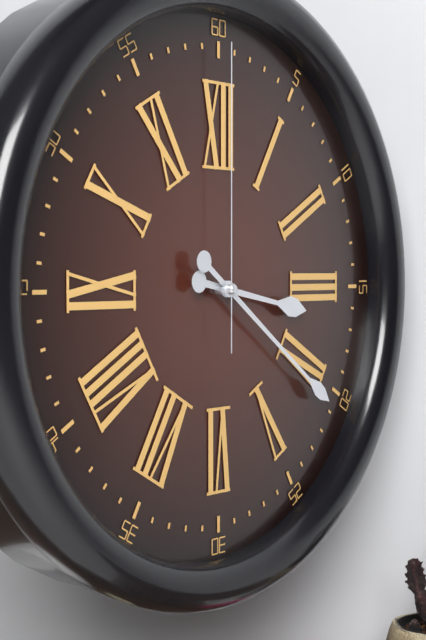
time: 3:21:00
